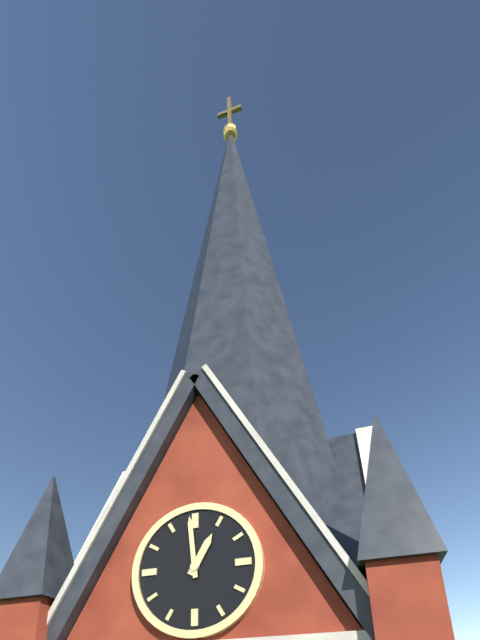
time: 12:59
